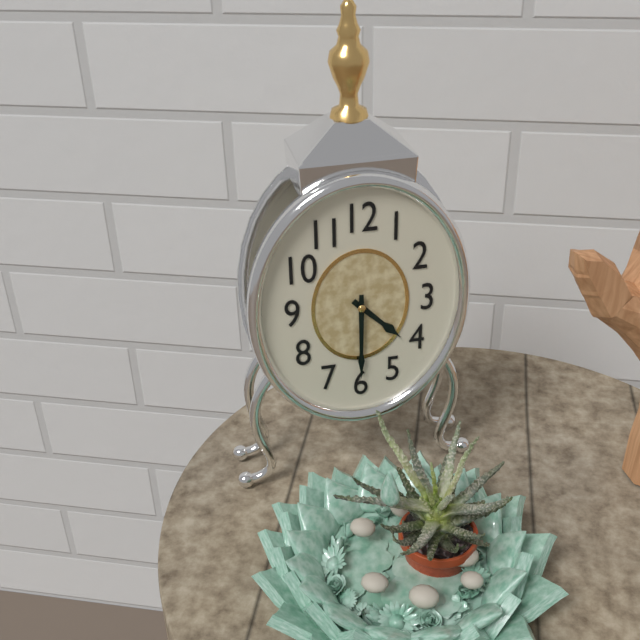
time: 4:30
